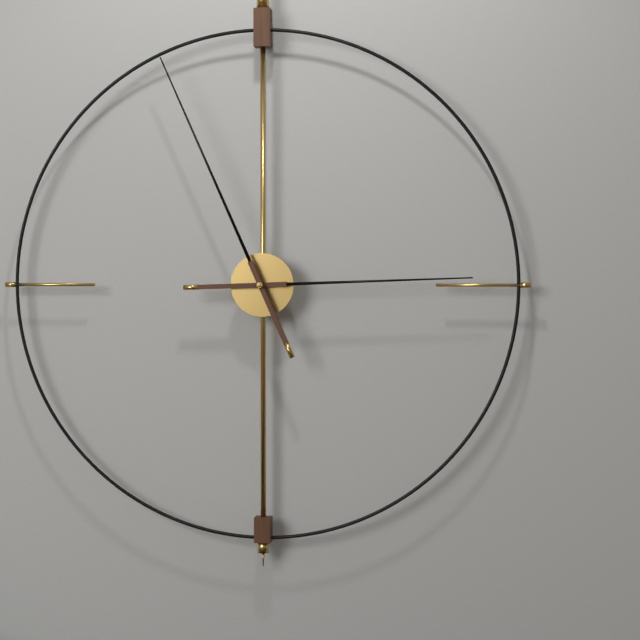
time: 2:56
